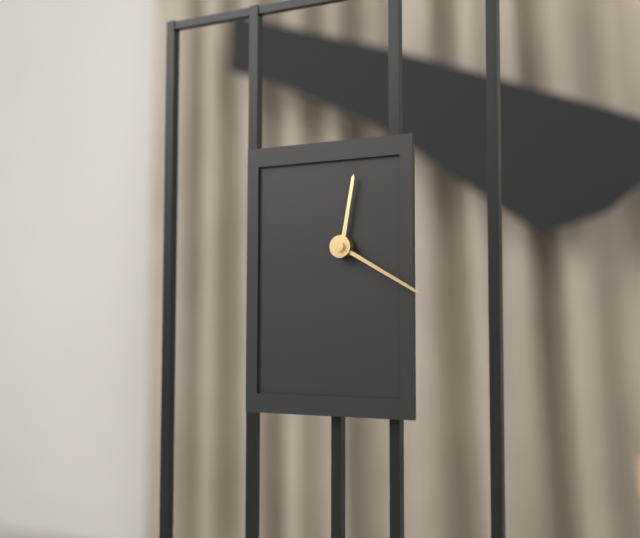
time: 12:20
